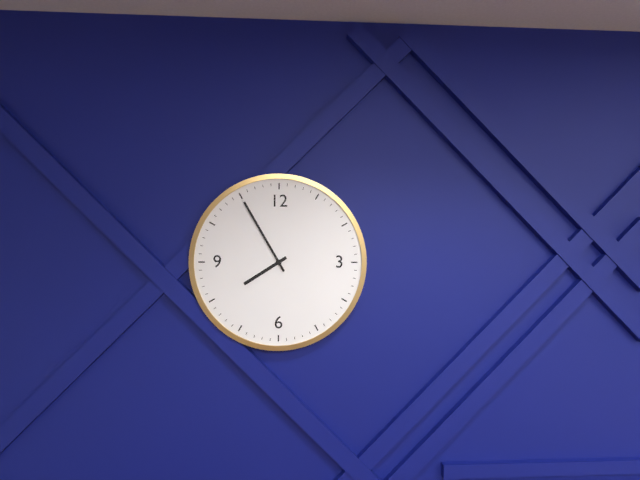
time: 7:55
